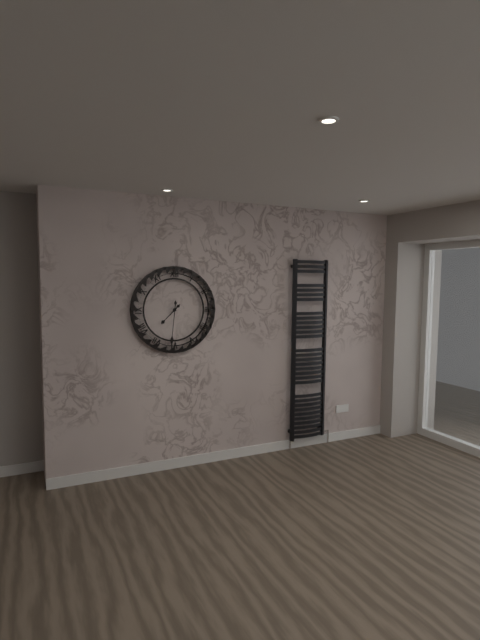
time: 7:31
